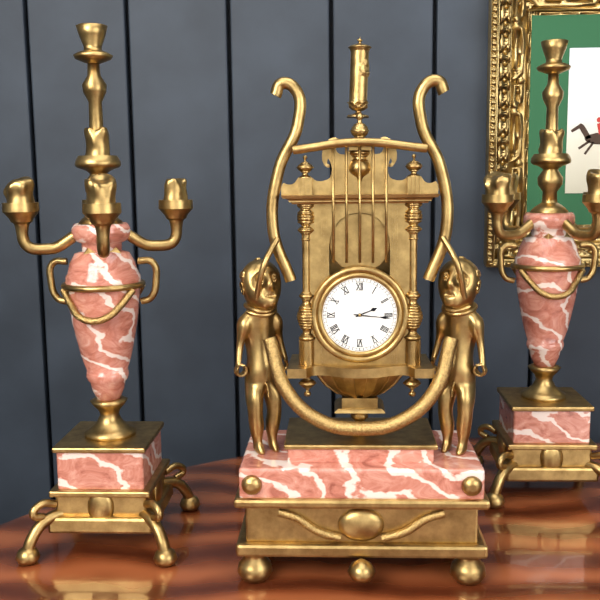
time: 2:16
